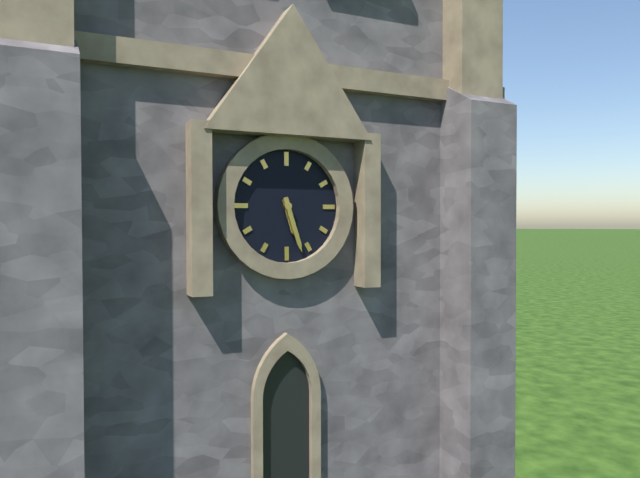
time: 5:27
